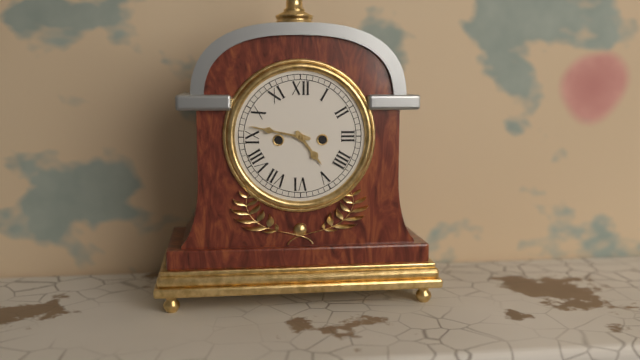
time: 4:47
